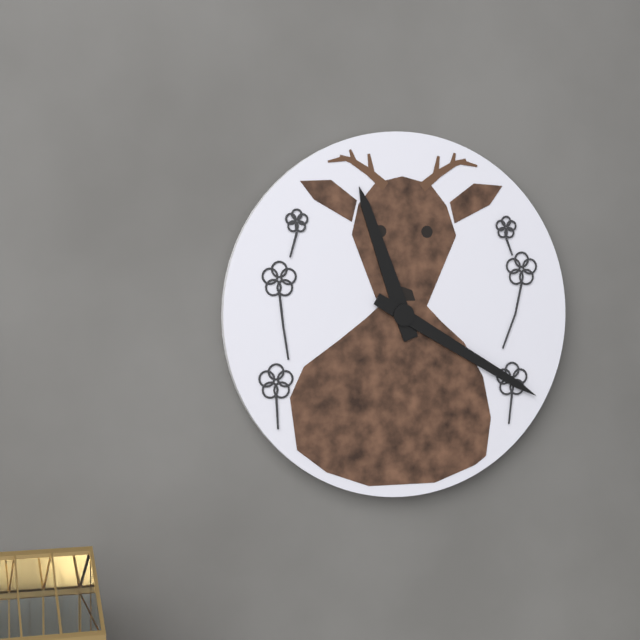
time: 11:20
